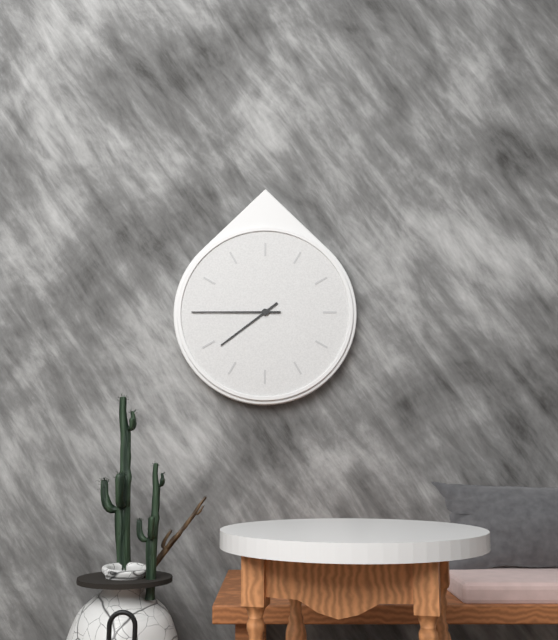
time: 7:45
